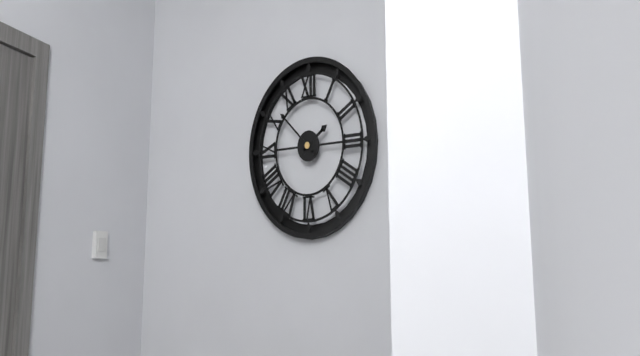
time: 1:52
